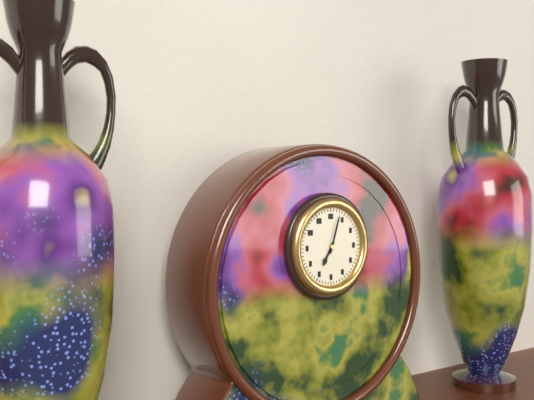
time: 7:03
